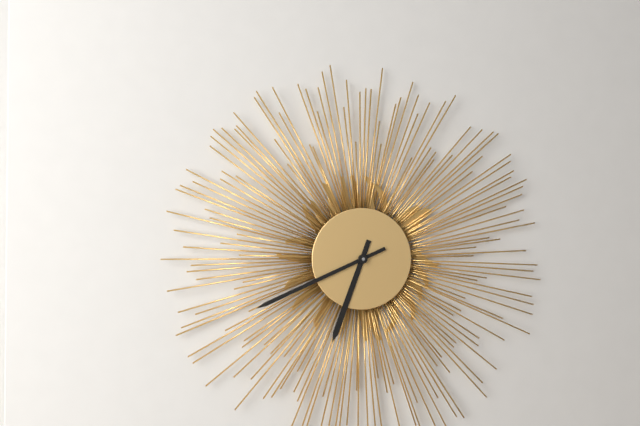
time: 6:41
